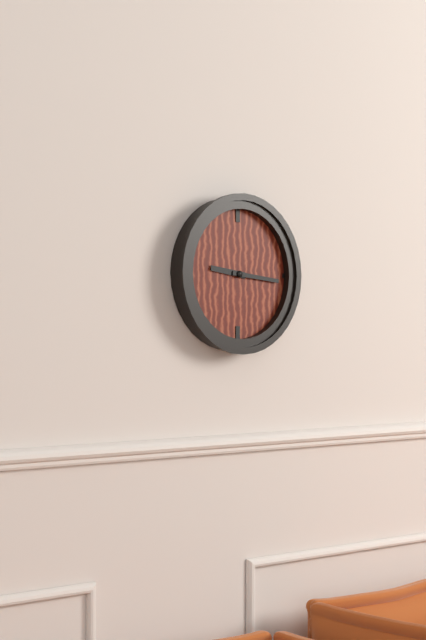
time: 9:16
